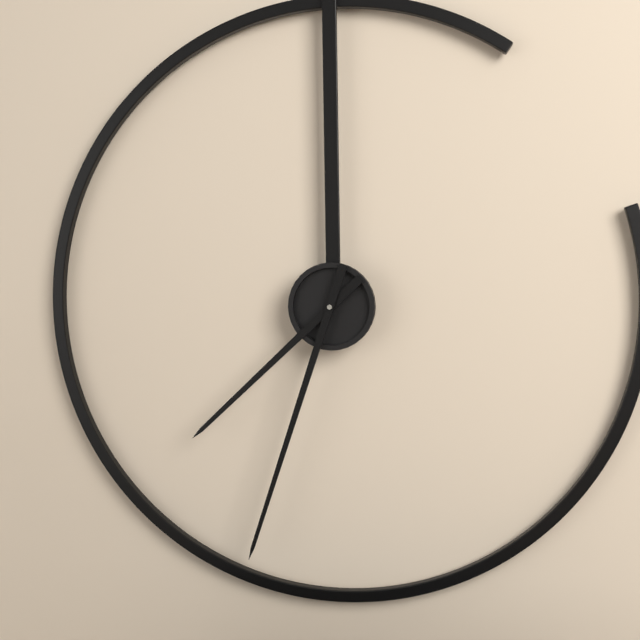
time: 7:33
